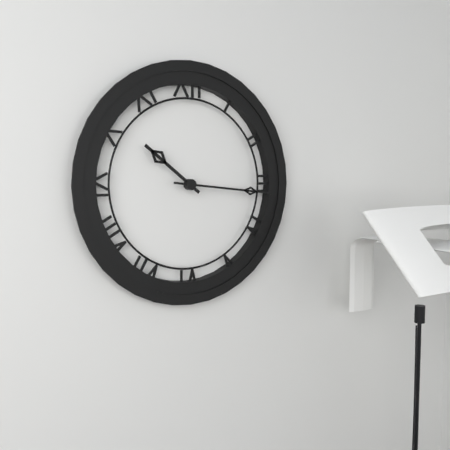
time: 10:16
